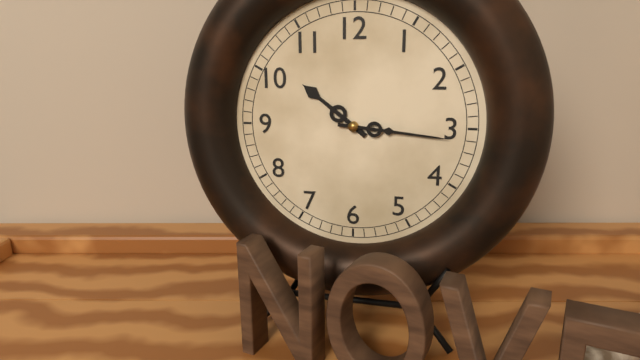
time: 10:16
